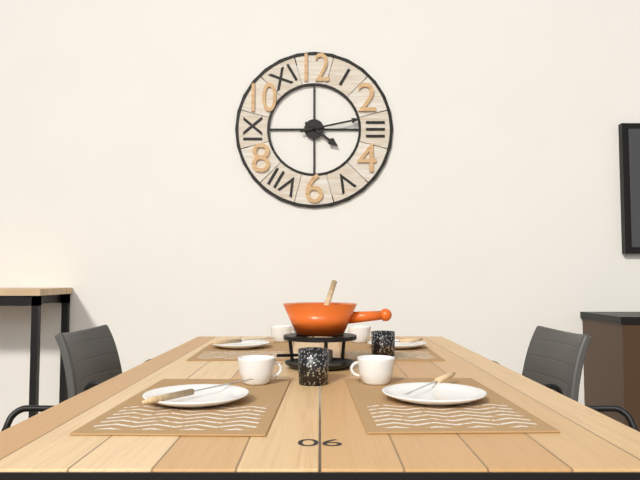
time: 4:13
